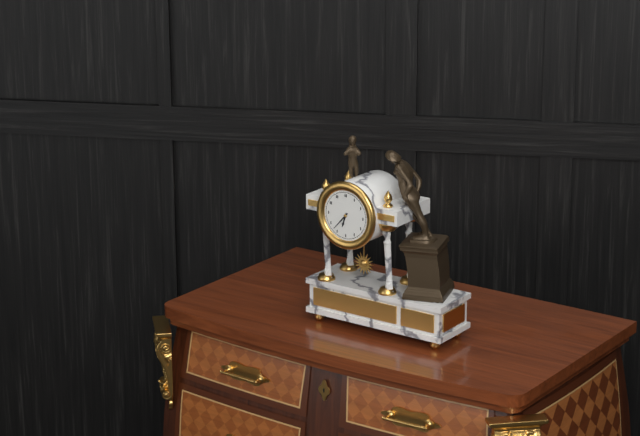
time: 6:37
